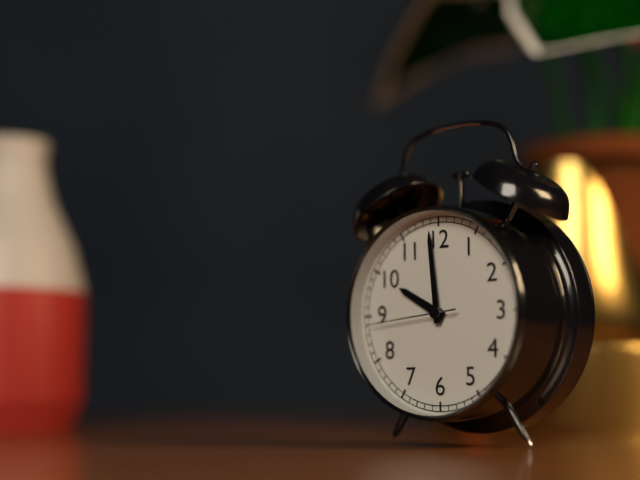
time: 9:59:44
